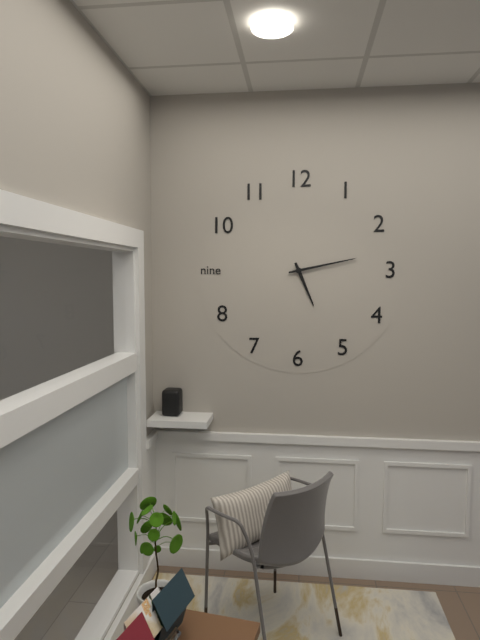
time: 5:13
